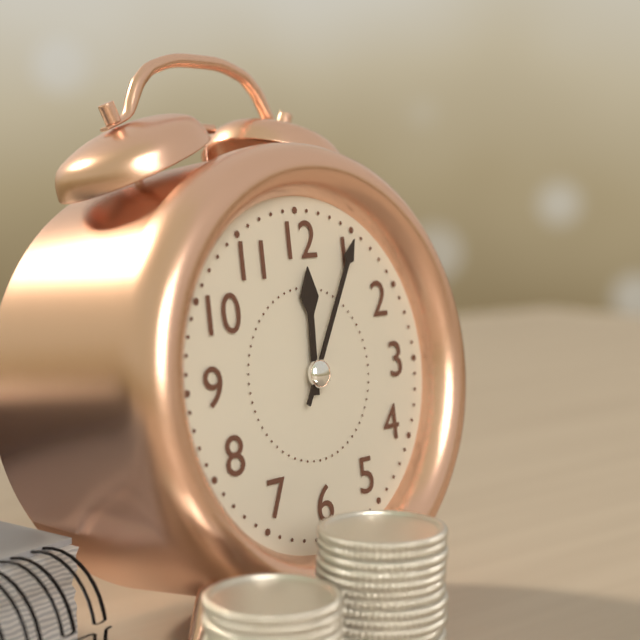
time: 12:05
